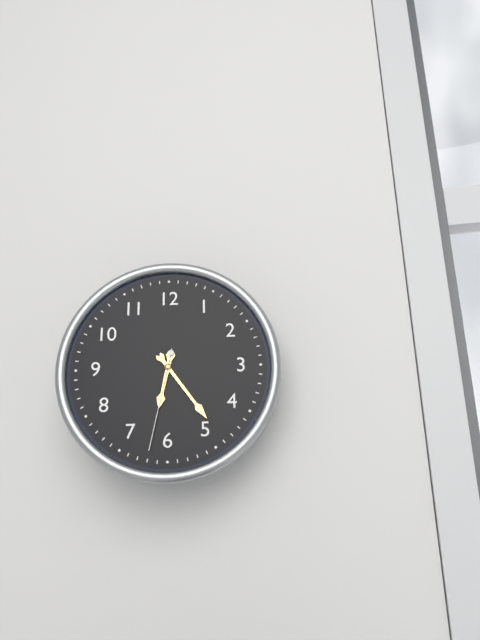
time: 6:24:32
